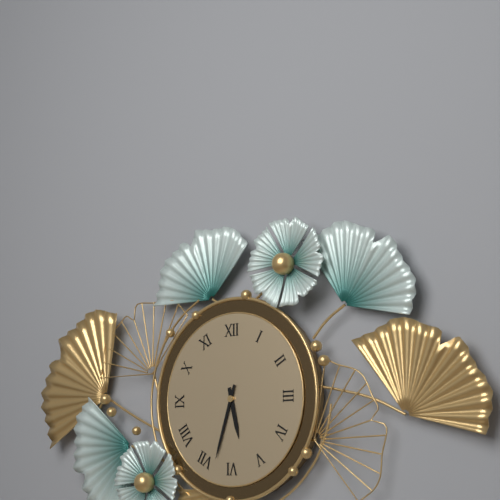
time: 5:33
